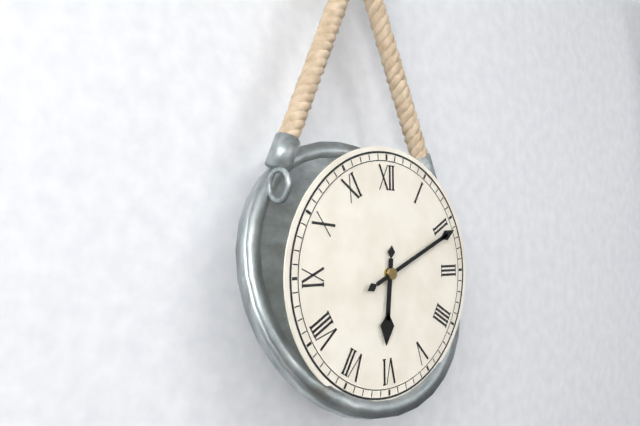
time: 6:11
